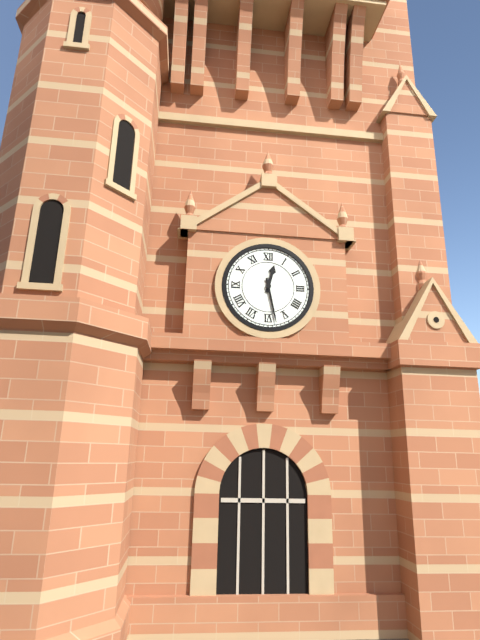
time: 12:28
